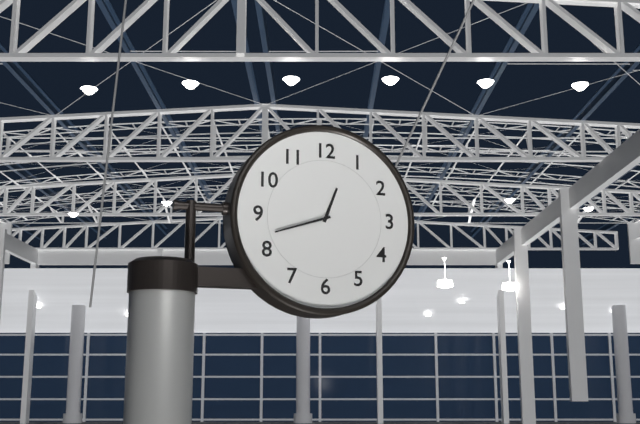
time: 12:42
